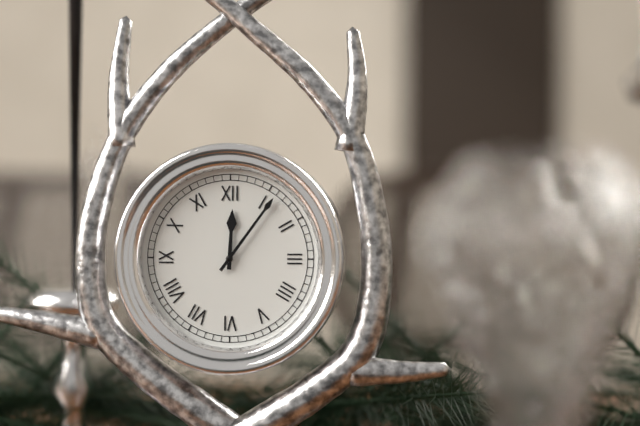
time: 12:06
